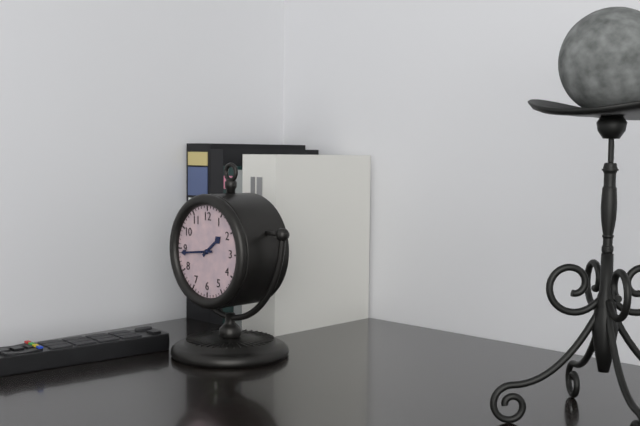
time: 1:44
